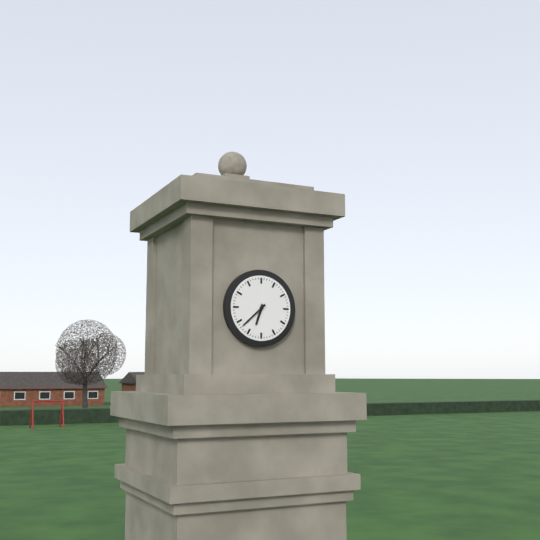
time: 6:38
